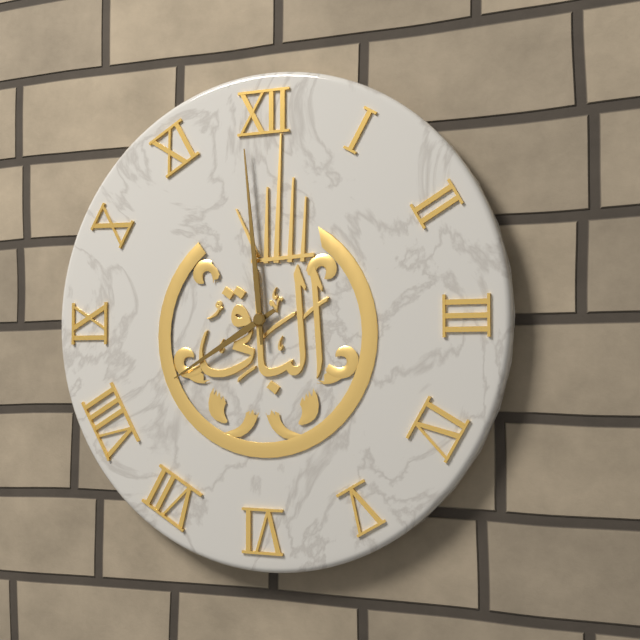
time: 7:59
